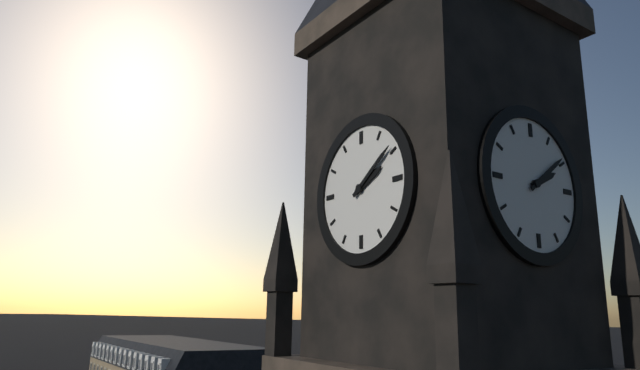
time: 2:09
